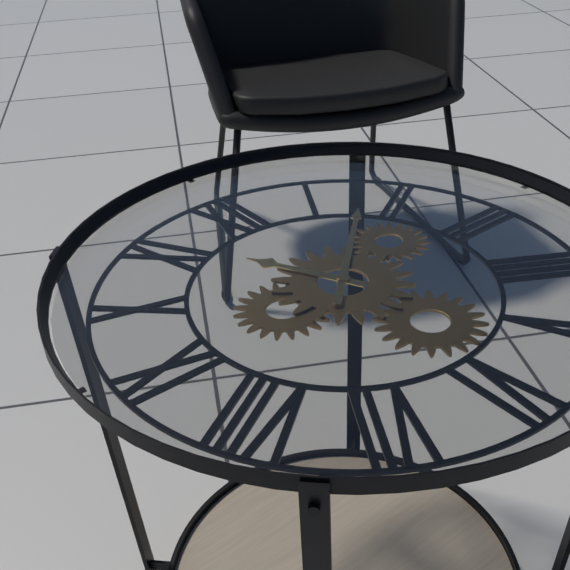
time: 11:08
